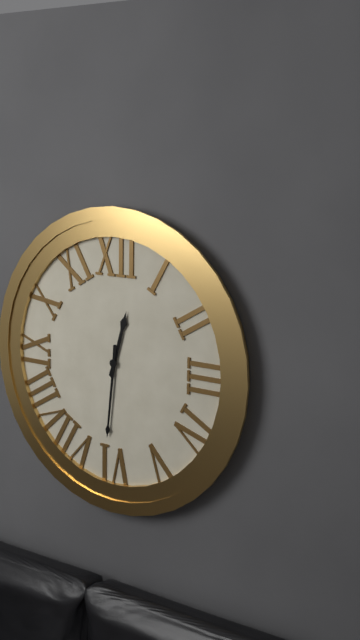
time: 12:31
